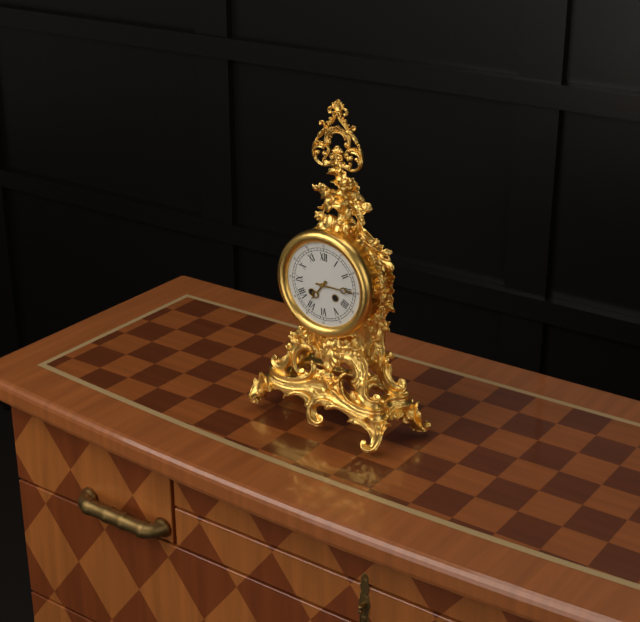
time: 7:15
